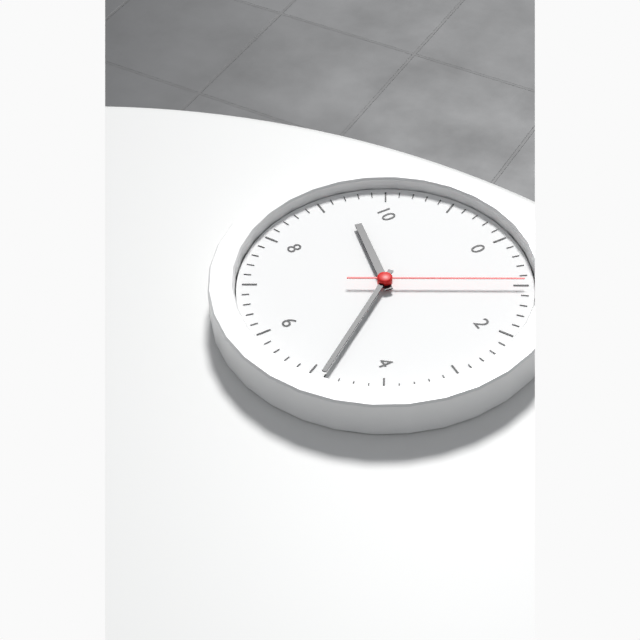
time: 9:24:05
